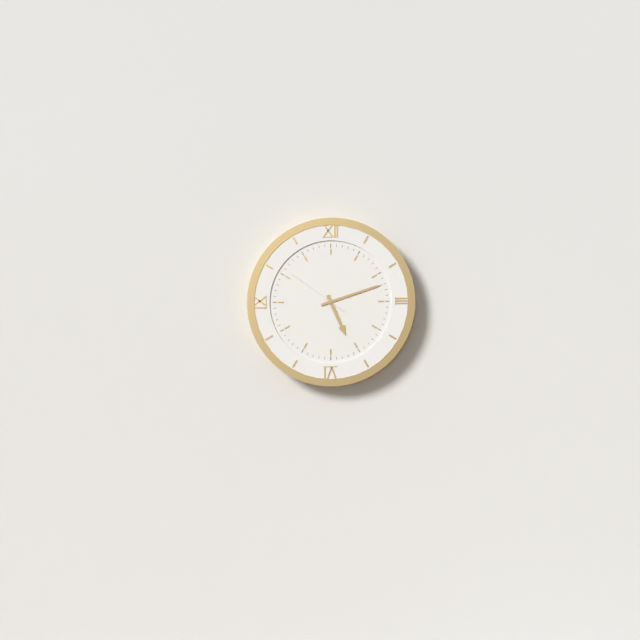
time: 5:12:51
